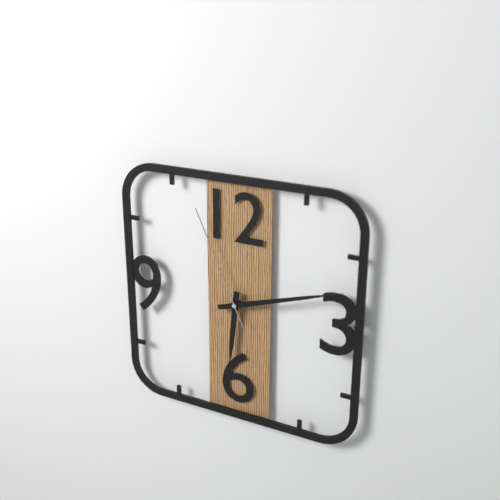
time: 6:12:56
